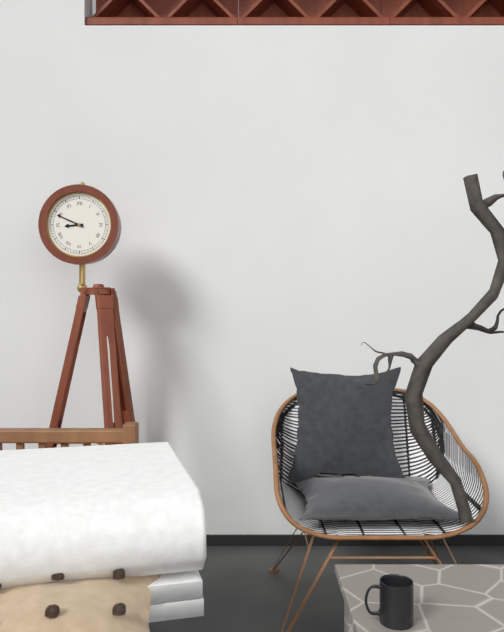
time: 8:49
